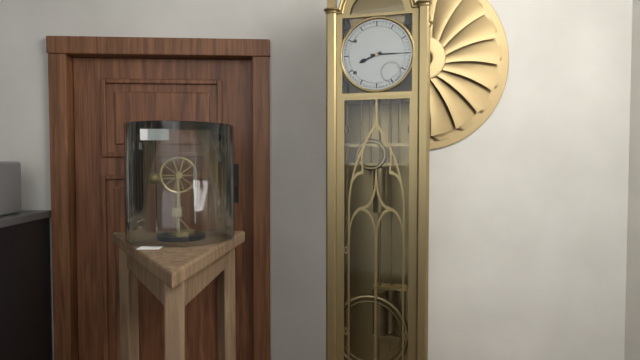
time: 8:15
